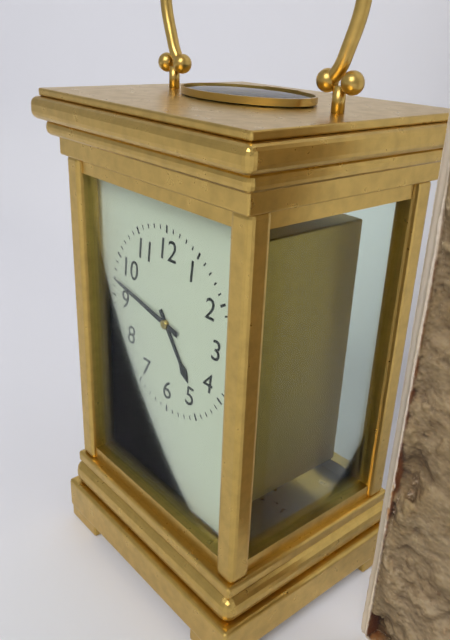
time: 4:47
